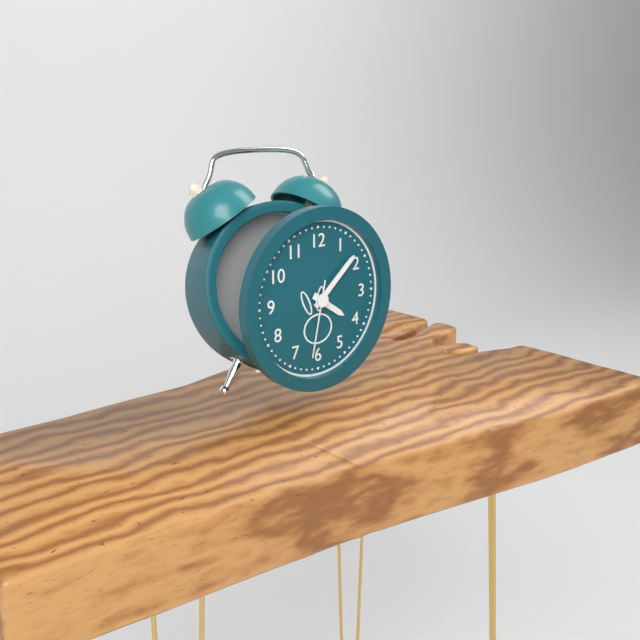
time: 4:08:32
